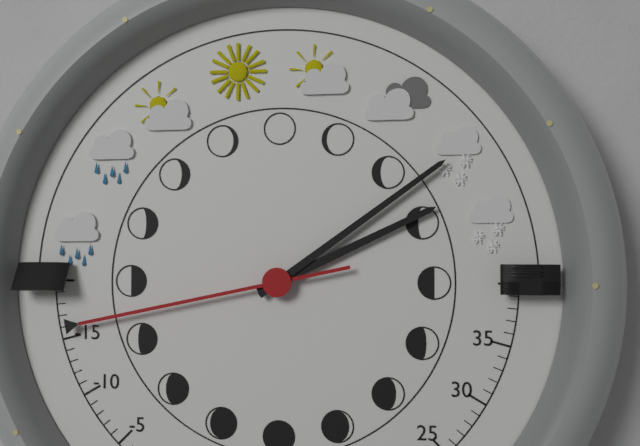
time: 2:09:43
